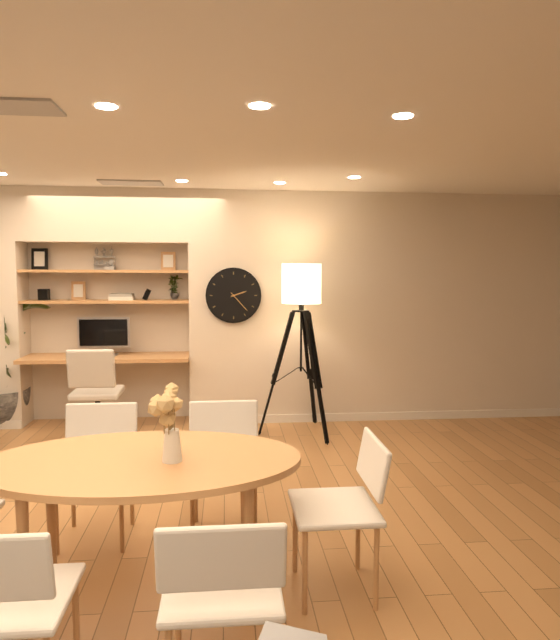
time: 2:23
